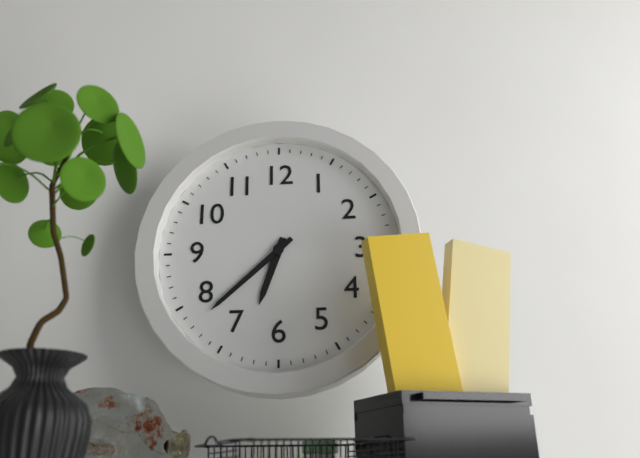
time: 6:38
